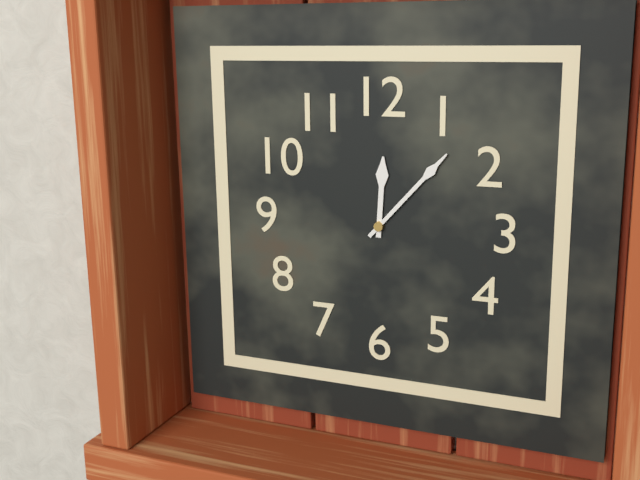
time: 12:07
